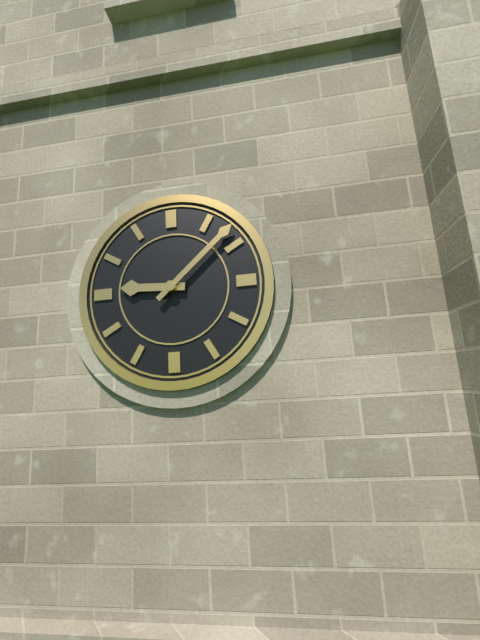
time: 9:08
